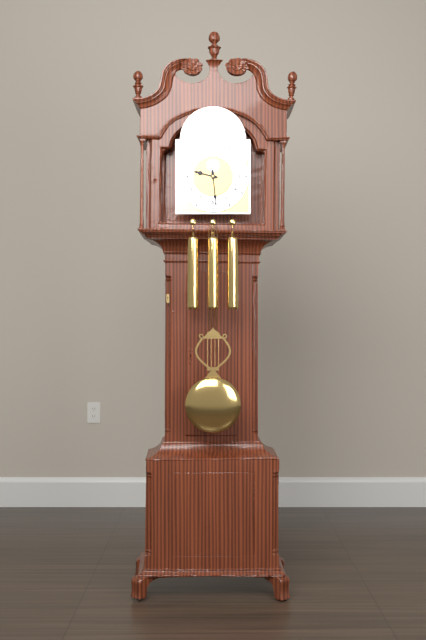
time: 9:29
